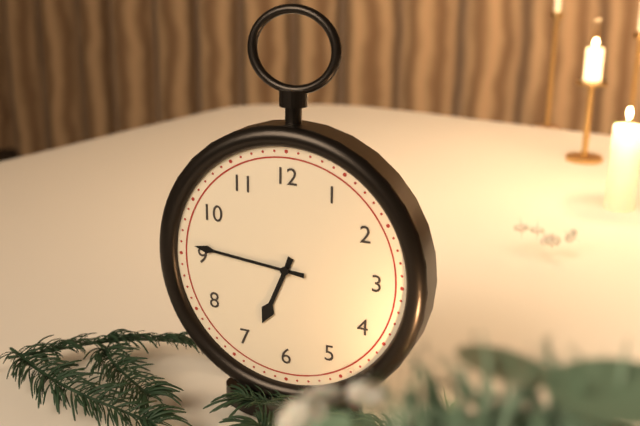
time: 6:46
